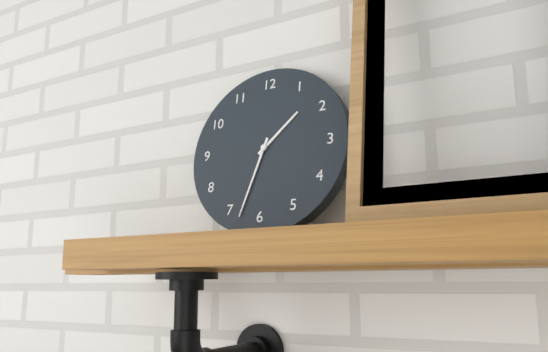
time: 1:33
